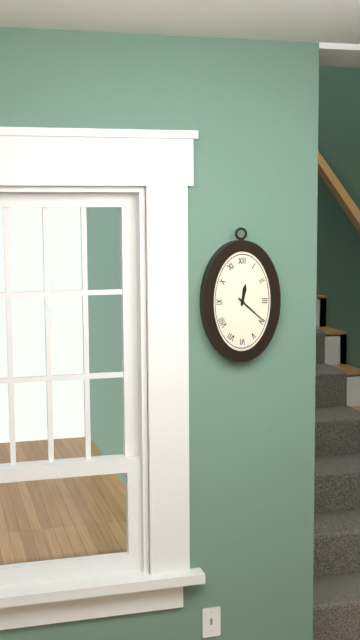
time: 12:22
